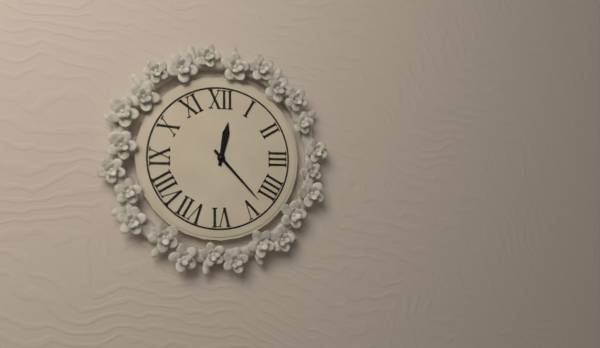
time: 12:23
